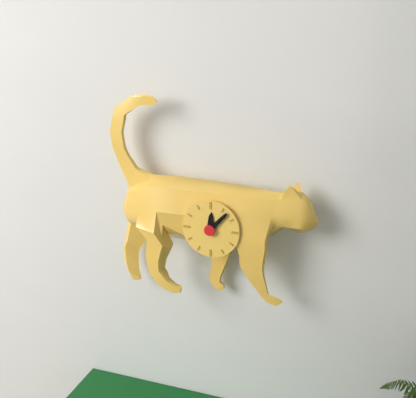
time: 12:07
